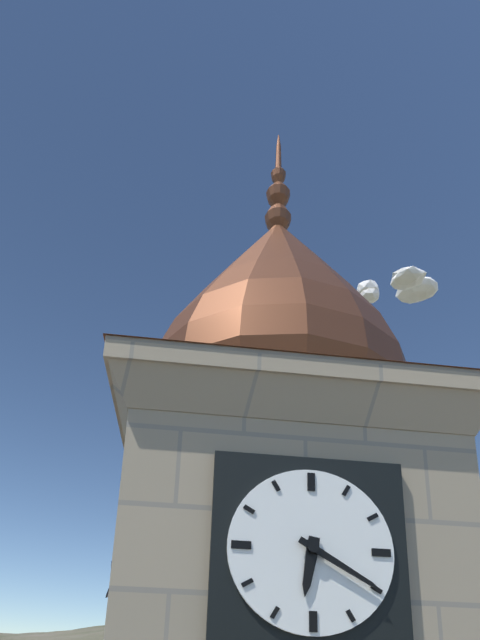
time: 6:20
